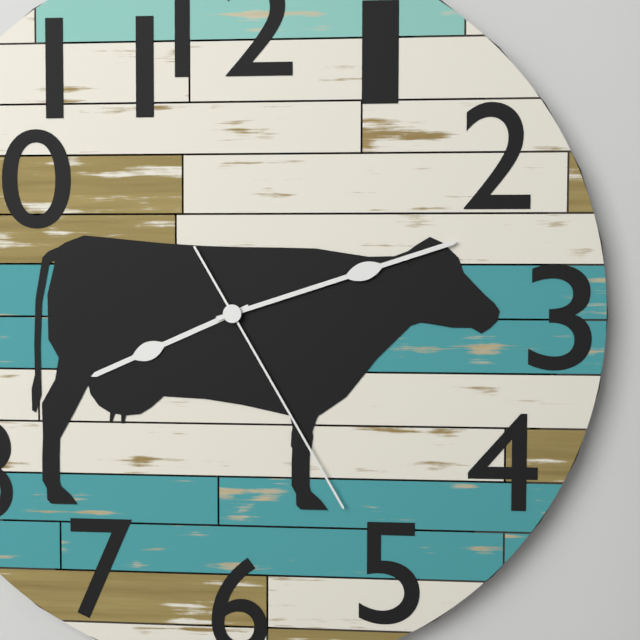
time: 8:12:25
